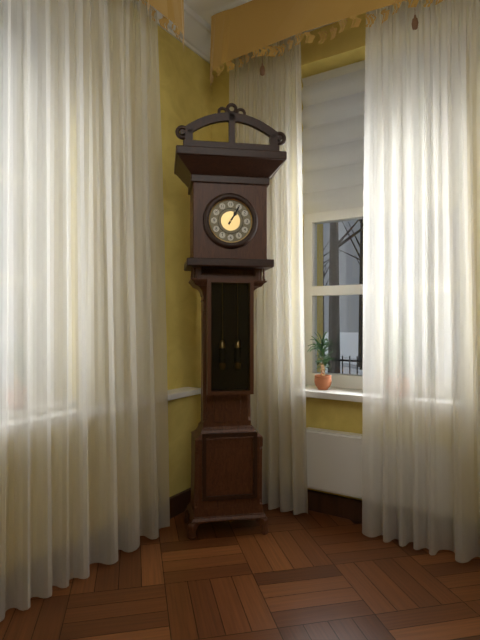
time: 1:05
